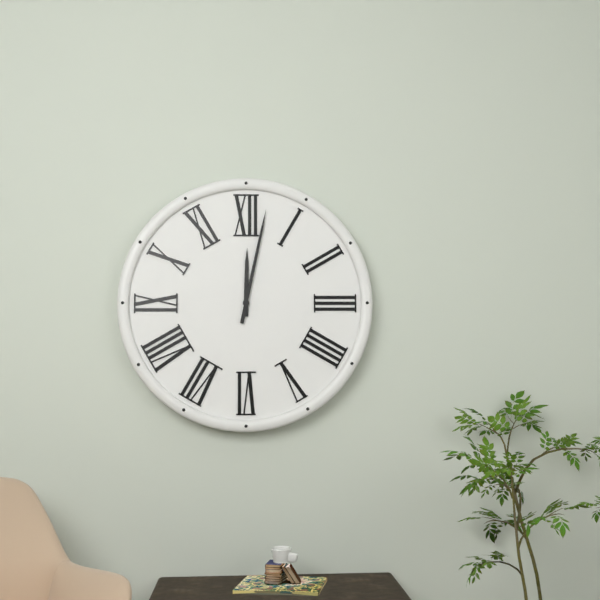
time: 12:02
